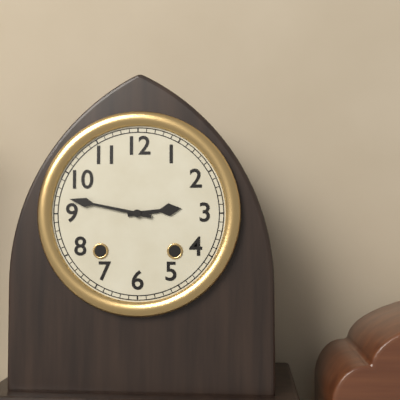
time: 2:47
